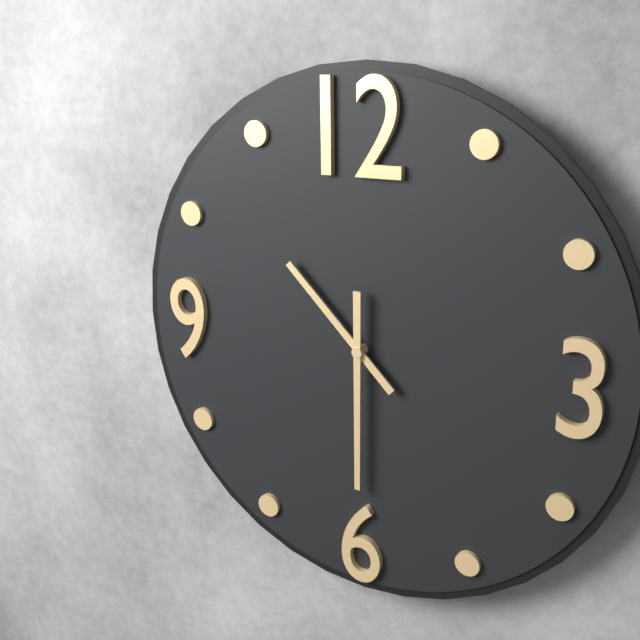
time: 10:30
